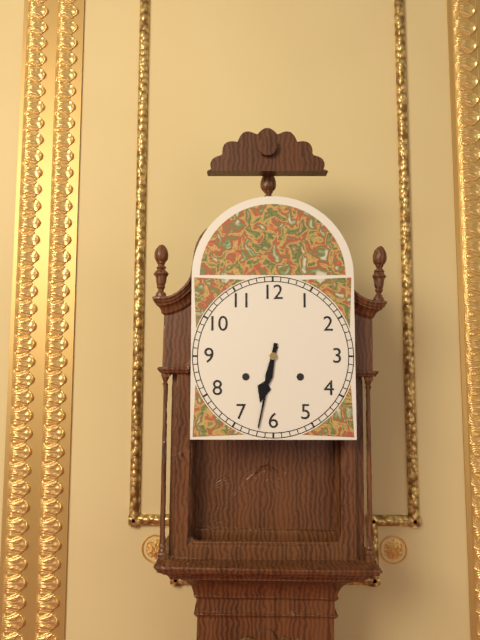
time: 6:32
